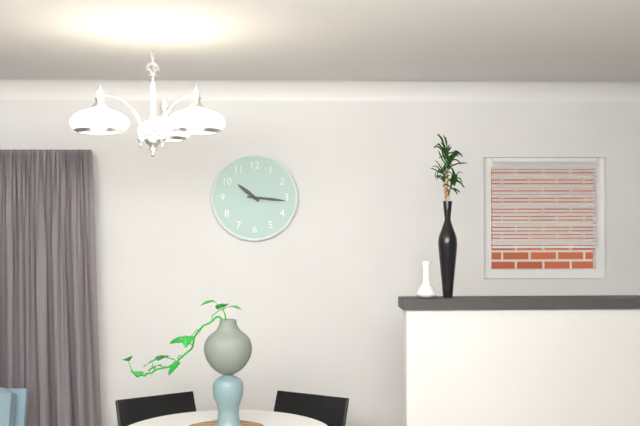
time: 10:16
